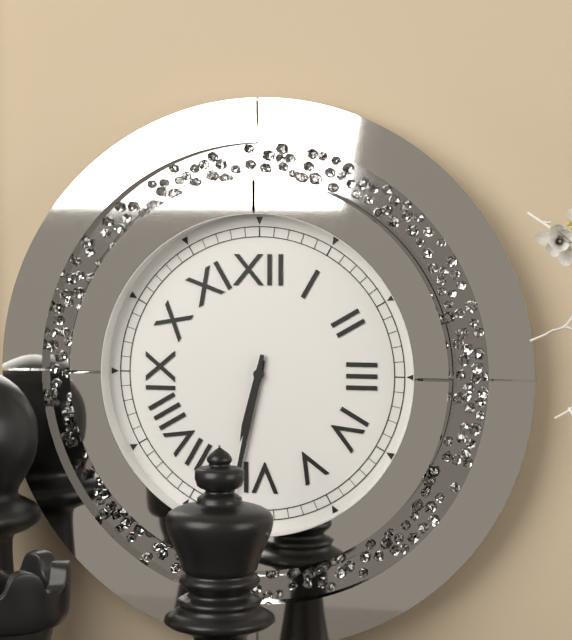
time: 6:32
